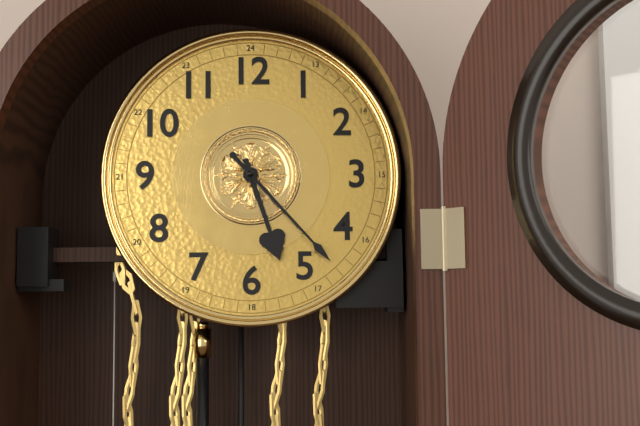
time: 5:23
